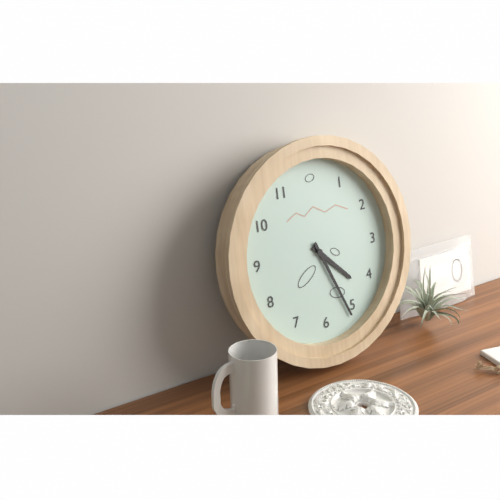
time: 4:26
